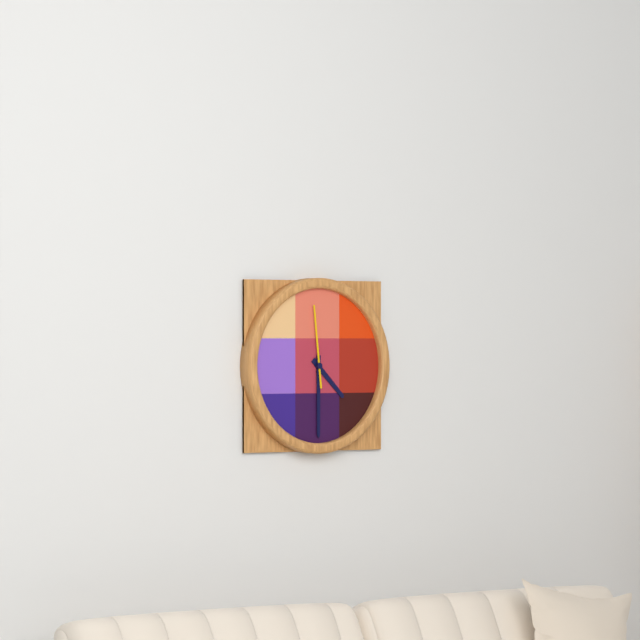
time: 4:30:59
